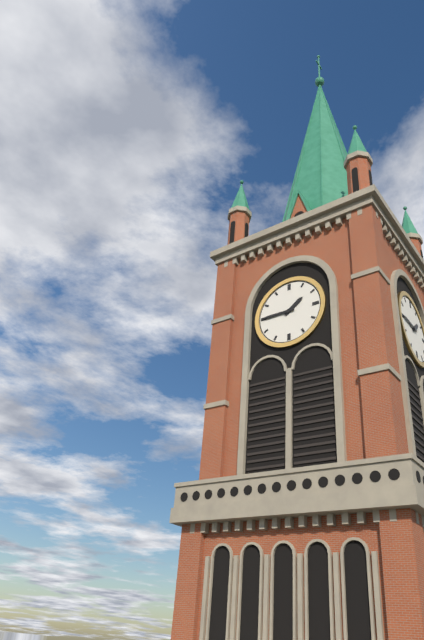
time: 1:45
